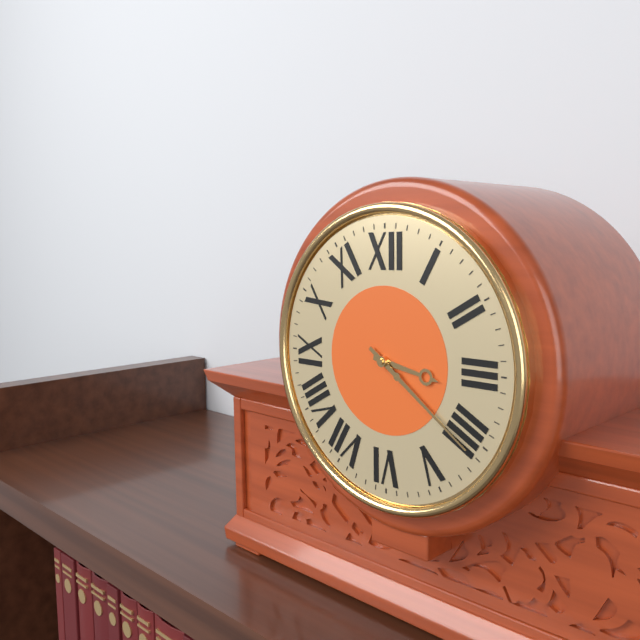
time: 3:21
